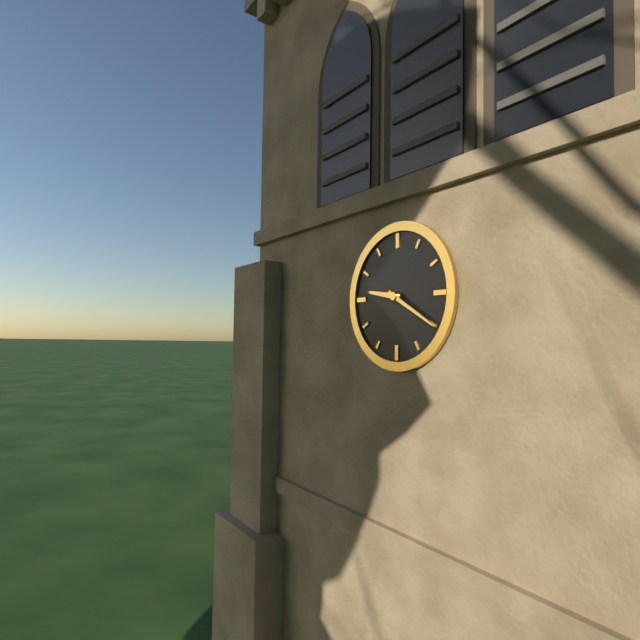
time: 9:20
